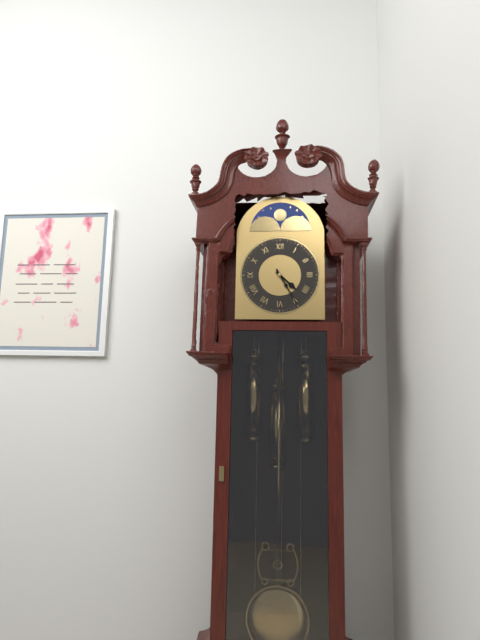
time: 4:25
